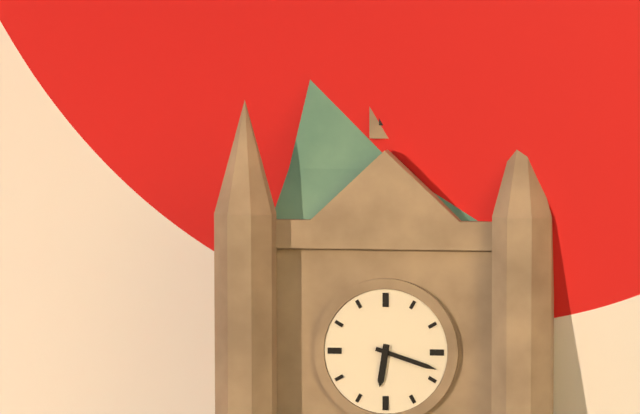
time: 6:18
